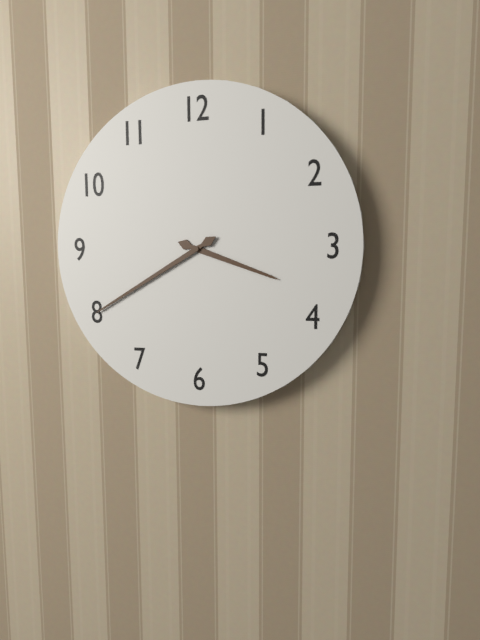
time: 3:40
